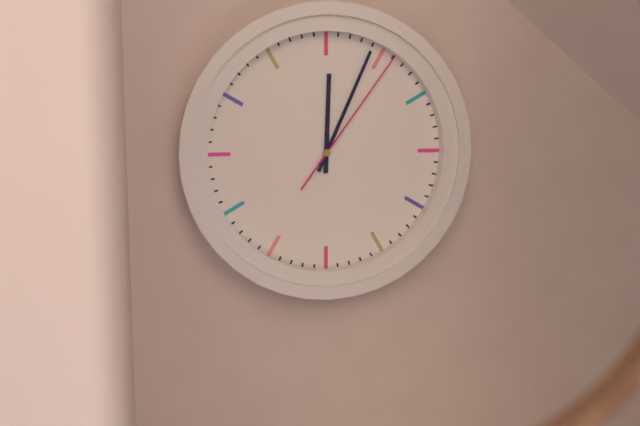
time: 12:04:06
